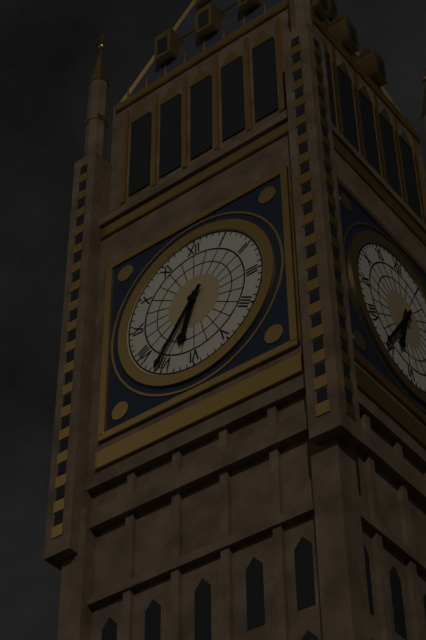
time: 6:36
